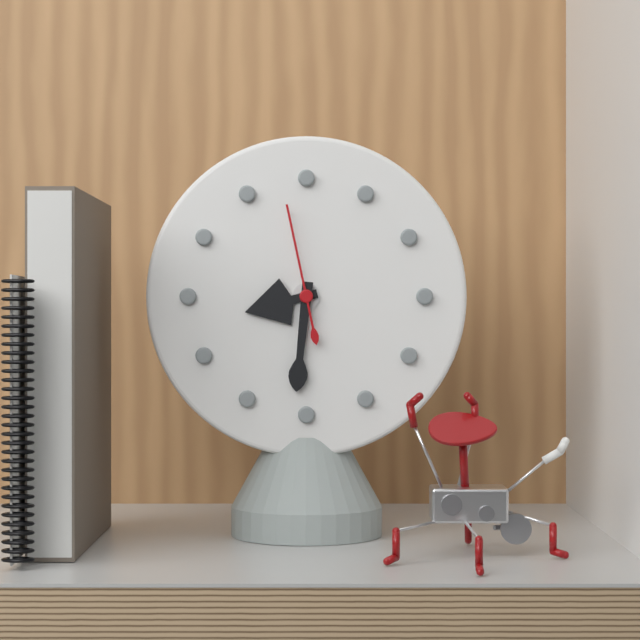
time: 8:31:58
